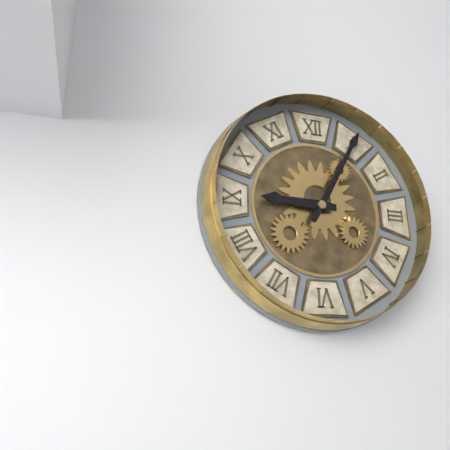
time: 9:05
